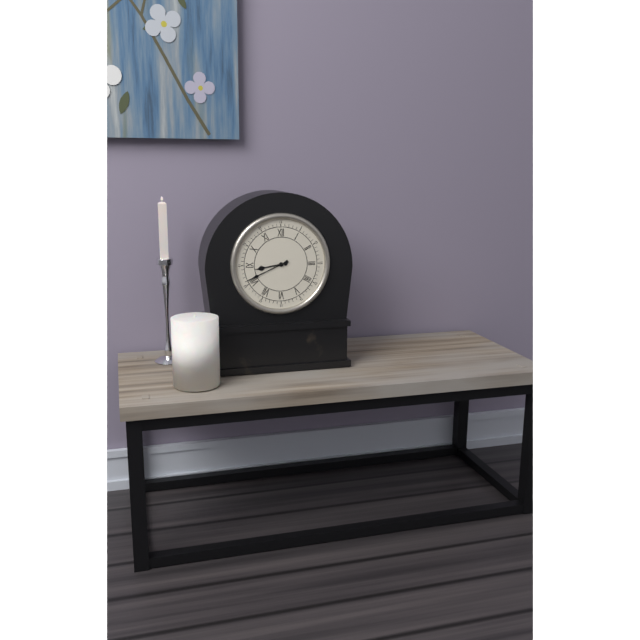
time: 8:41
